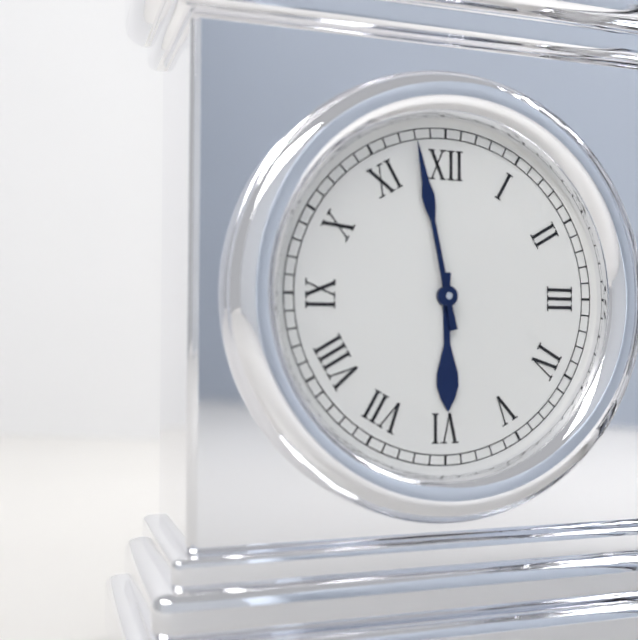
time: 5:58
